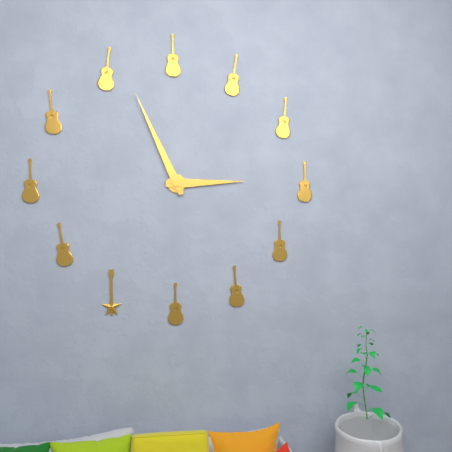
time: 2:56
